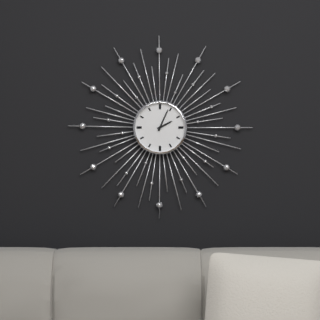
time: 2:04
